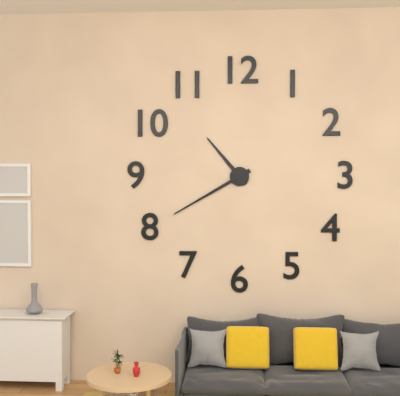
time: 10:40
